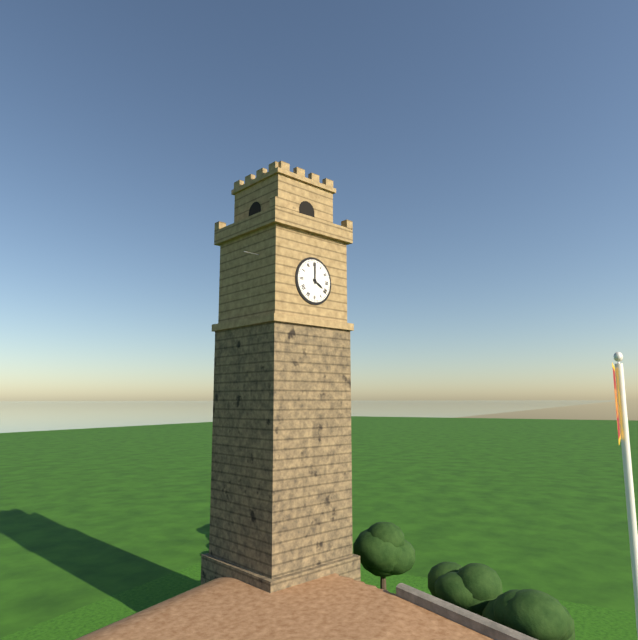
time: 4:00
